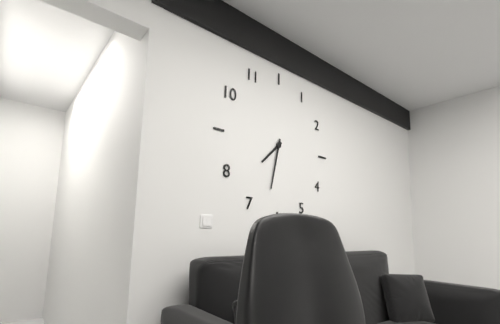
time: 7:32
